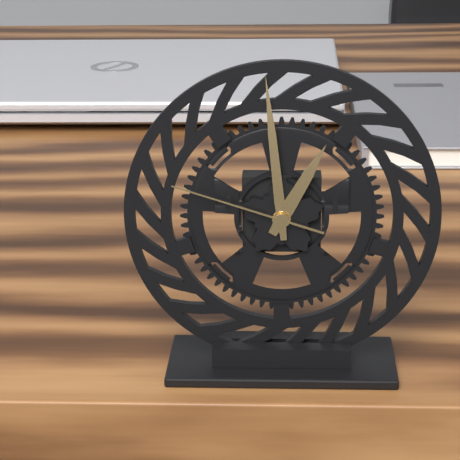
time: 12:59:48
